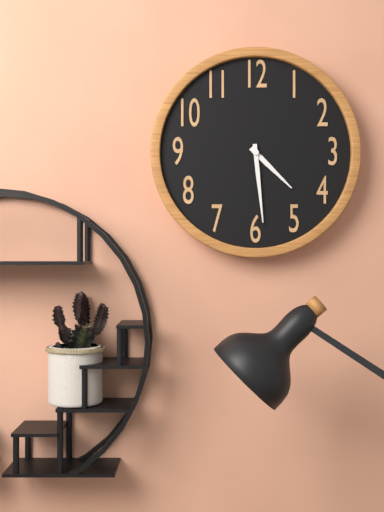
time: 4:29
